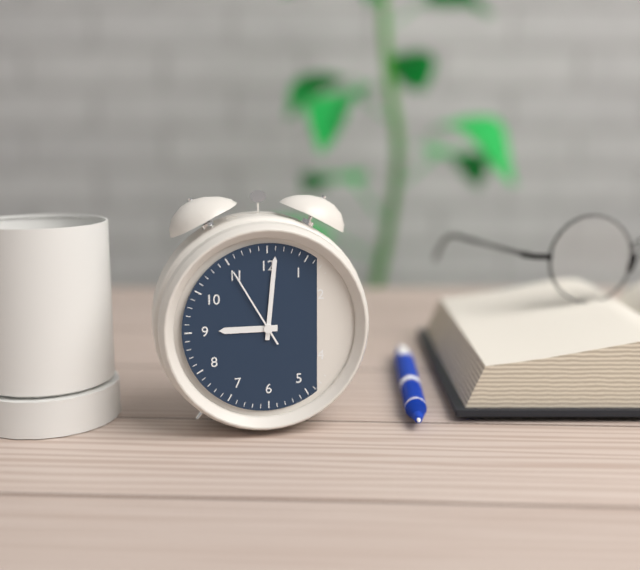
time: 9:01:55
